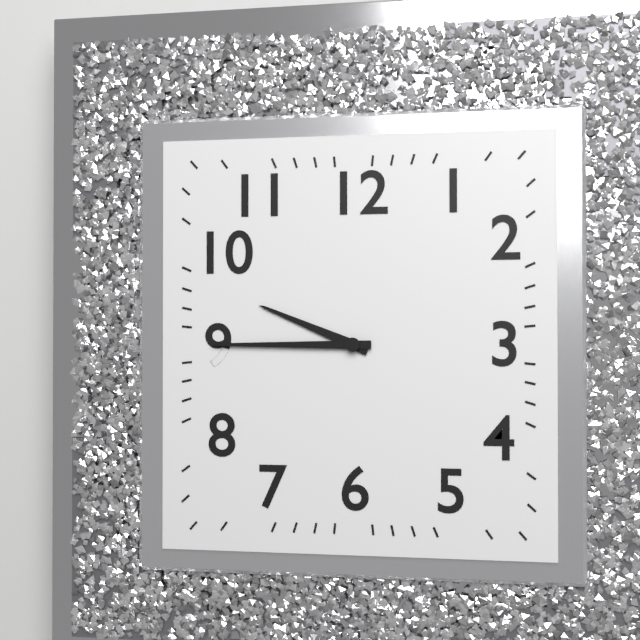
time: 9:45
